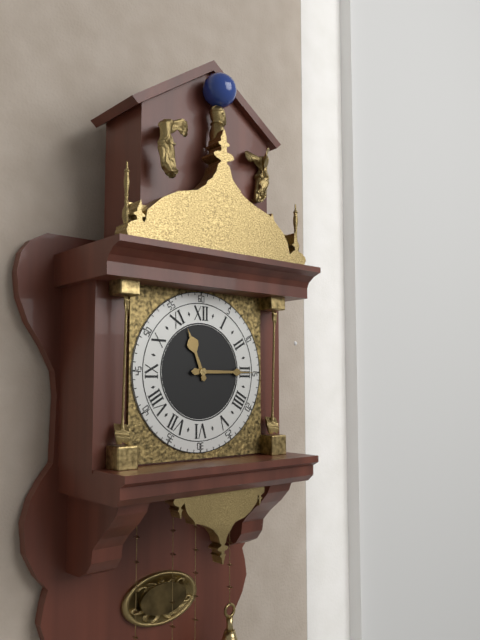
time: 11:15
